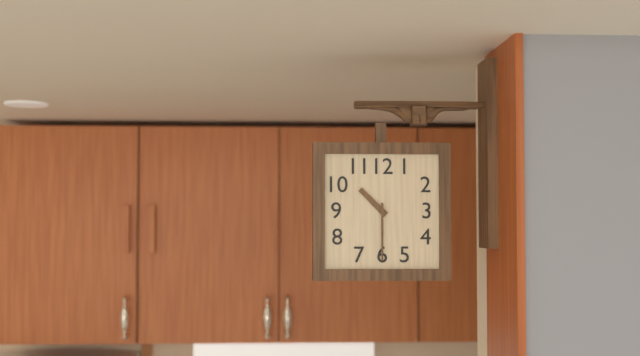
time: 10:30
